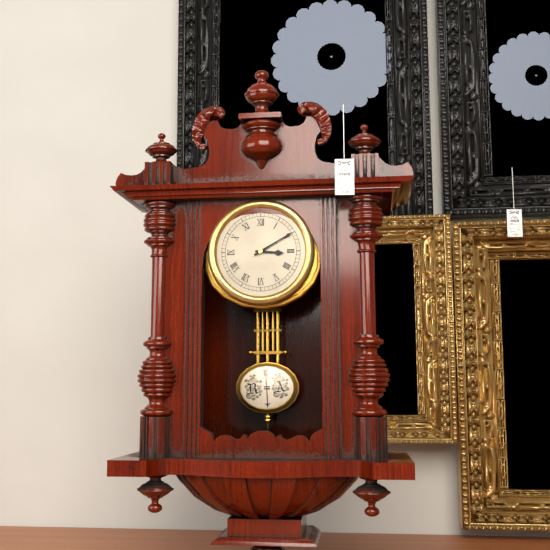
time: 3:10
